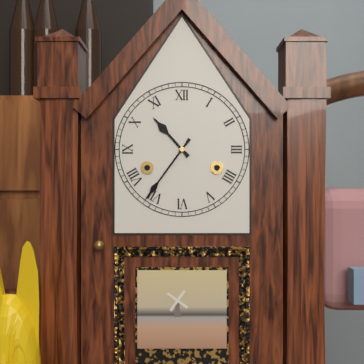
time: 10:36
